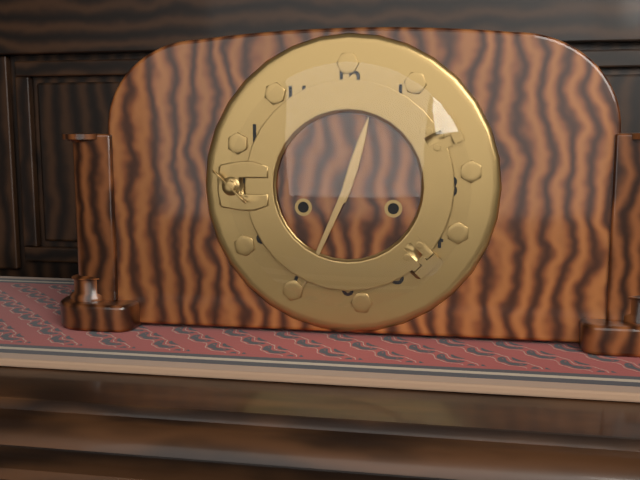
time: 12:34
